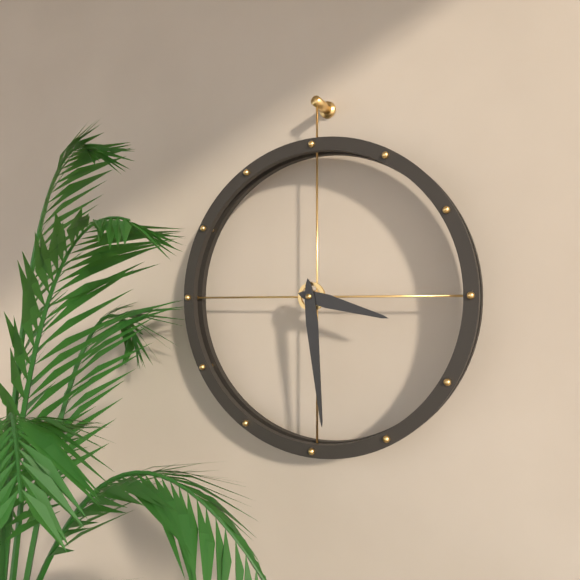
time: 3:29
